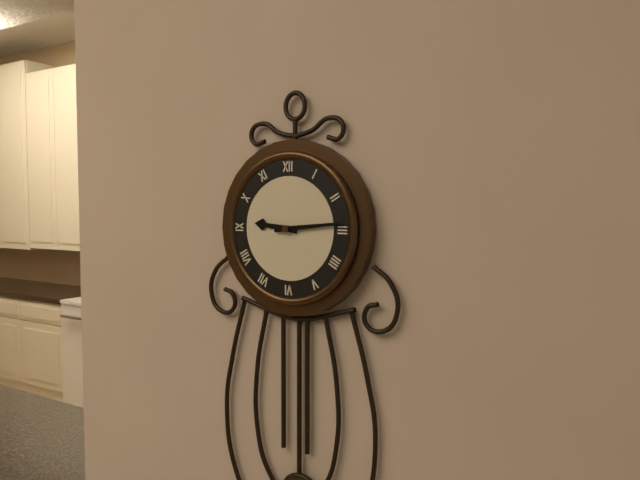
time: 9:14
